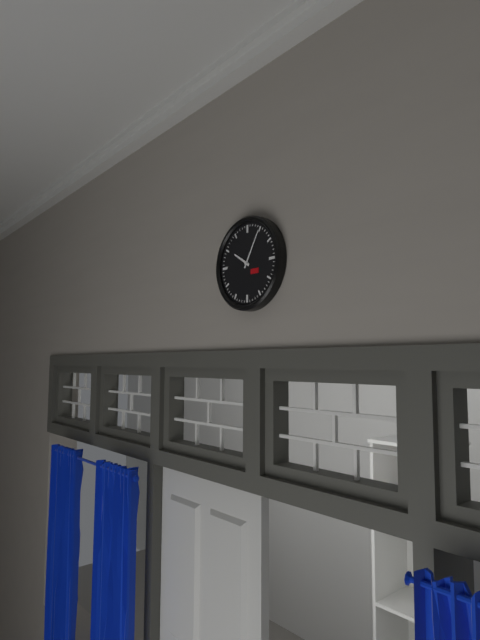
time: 10:05
